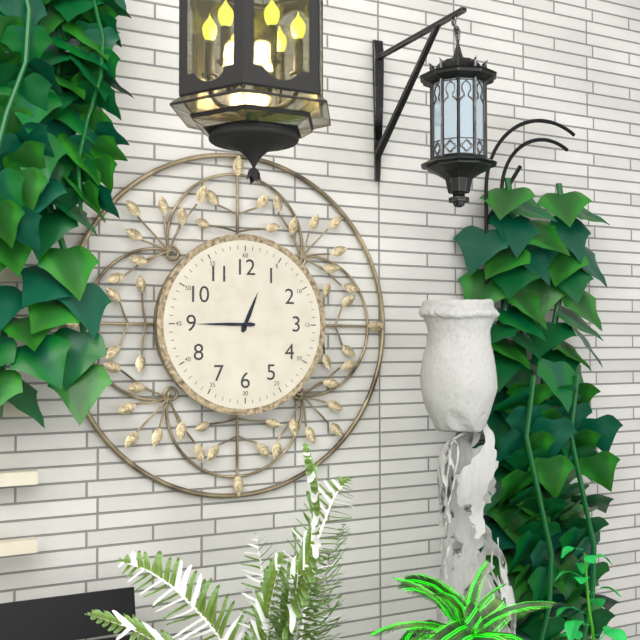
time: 12:45
